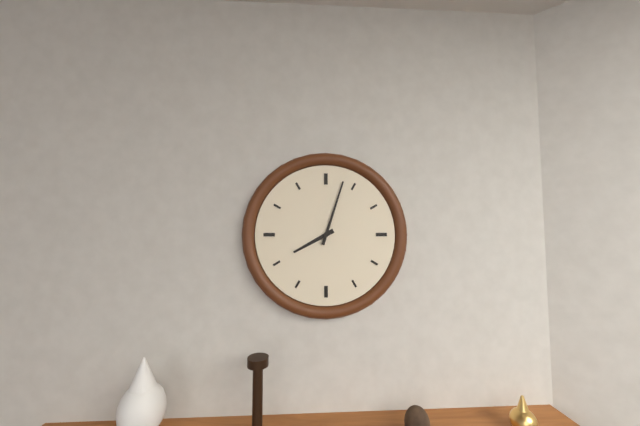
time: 8:03
